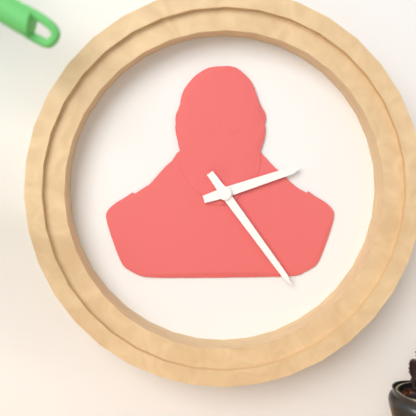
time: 2:24
